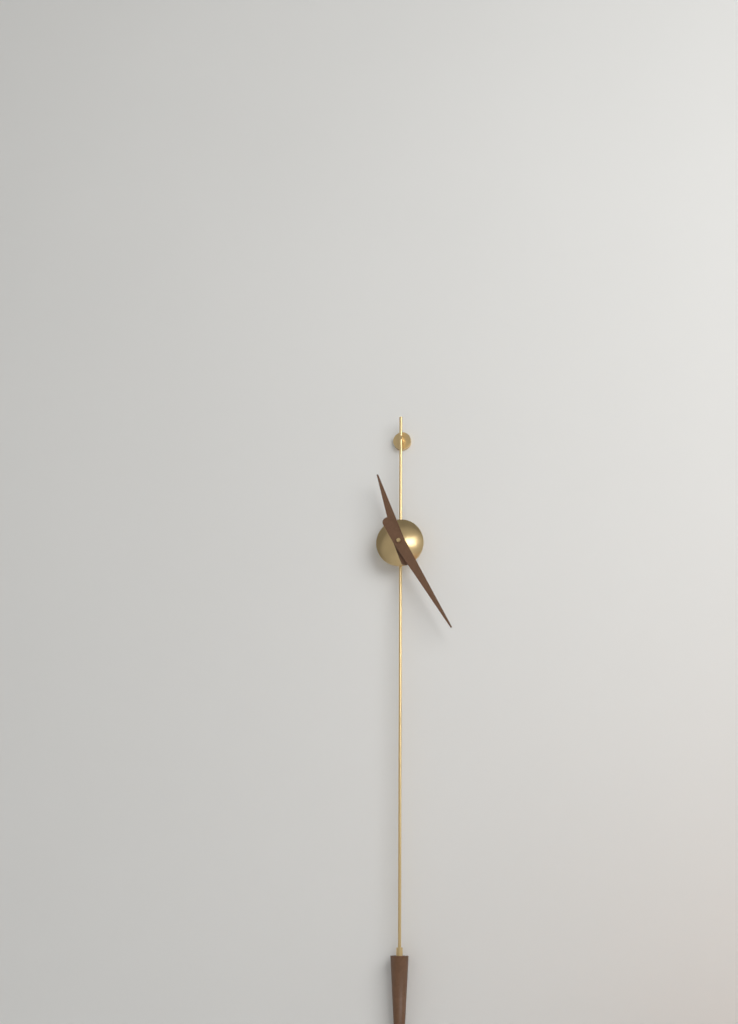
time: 11:25
